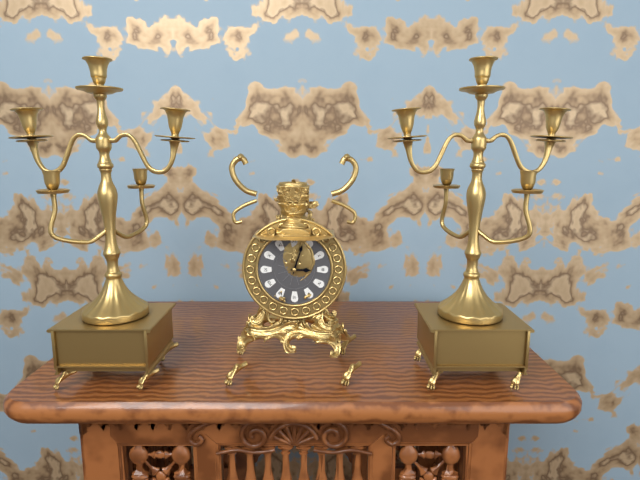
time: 3:03
